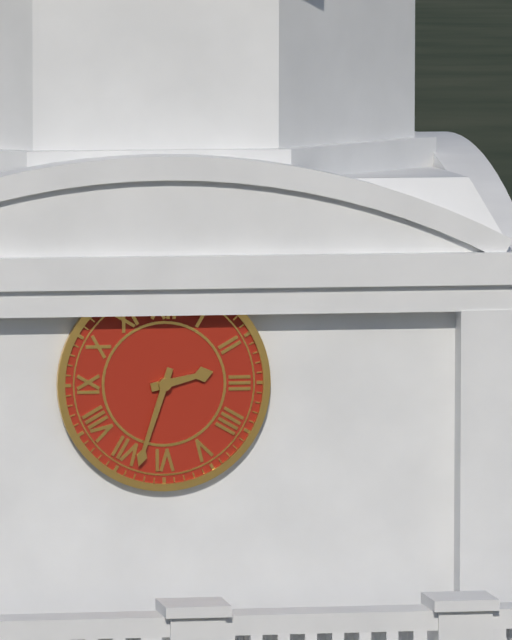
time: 2:33
